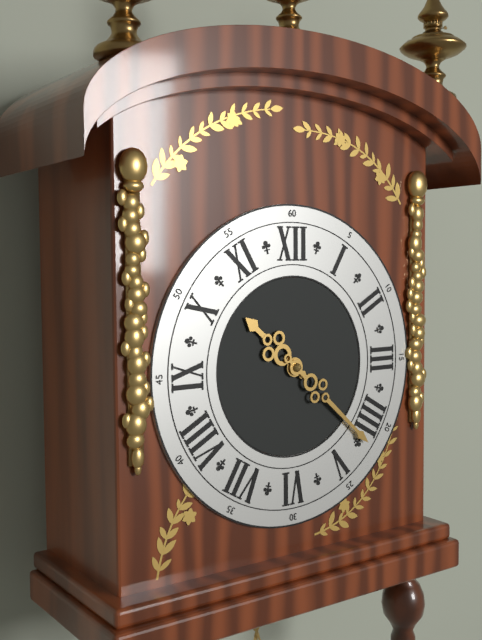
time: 10:22
